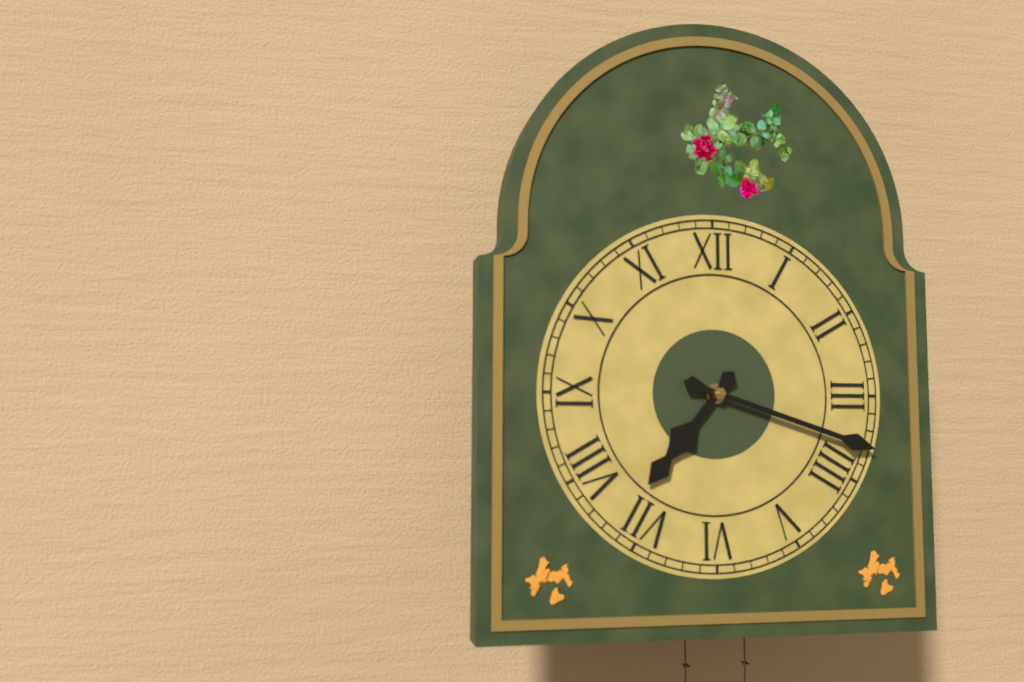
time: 7:18
